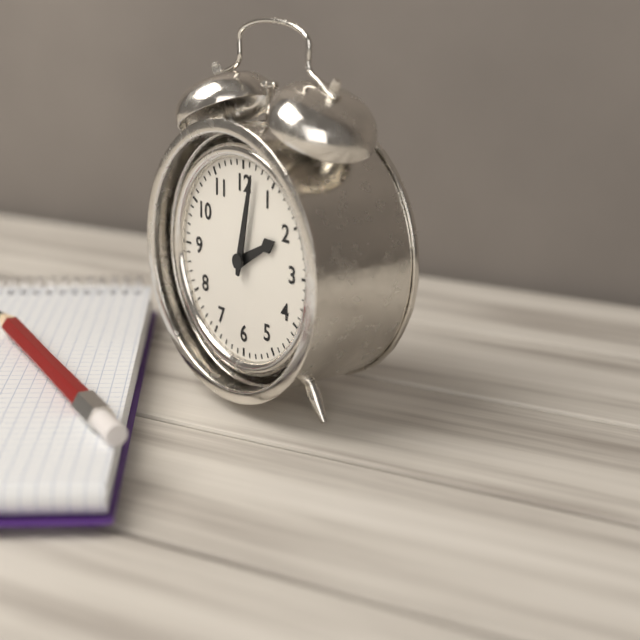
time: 2:02
